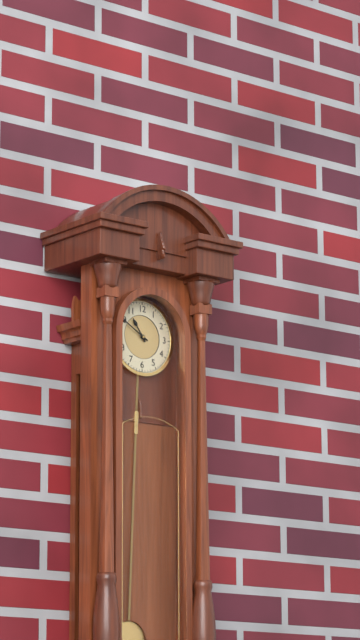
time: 10:50
